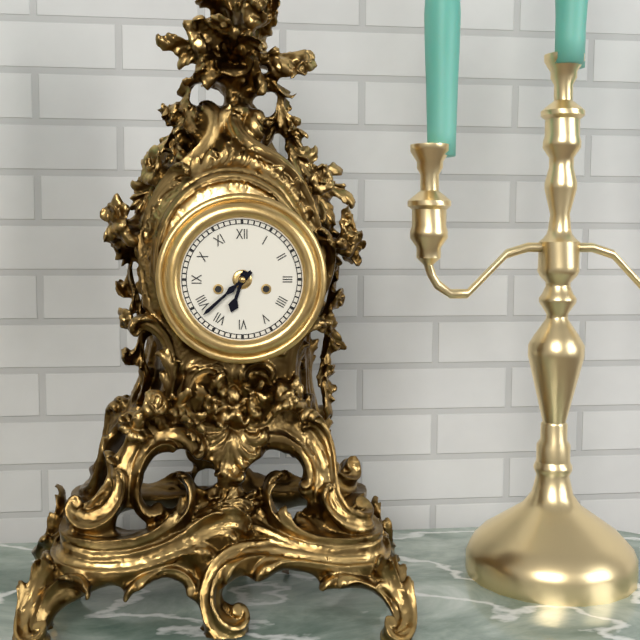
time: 6:38
